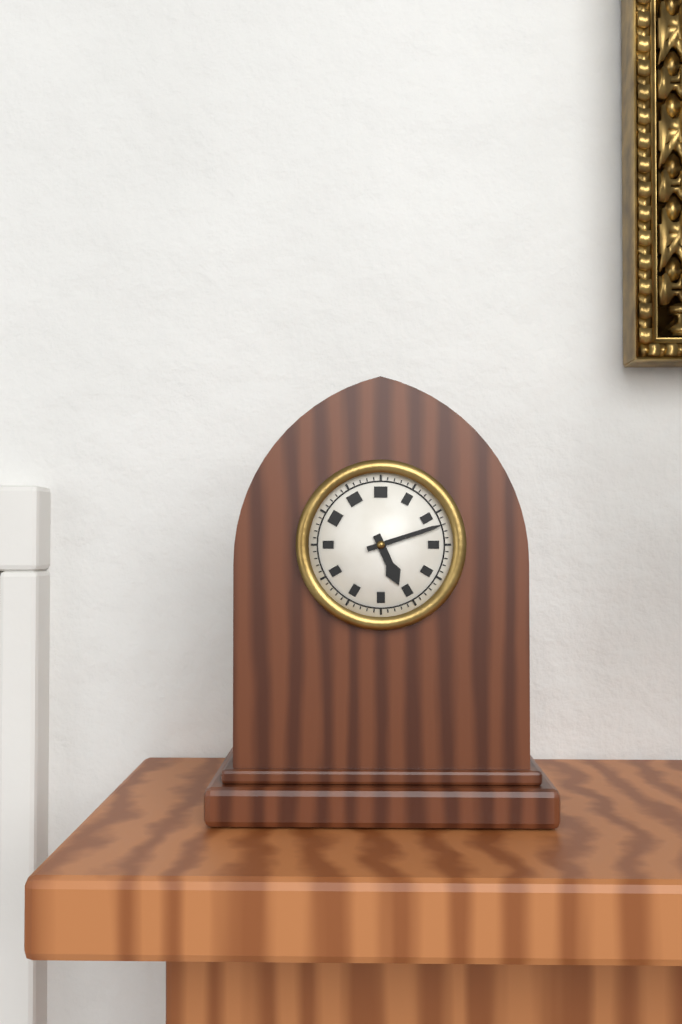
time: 5:12
